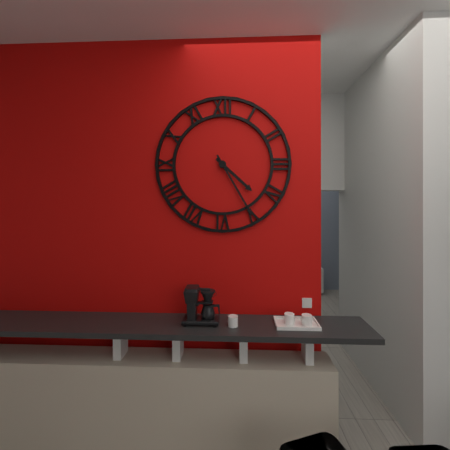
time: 4:25
